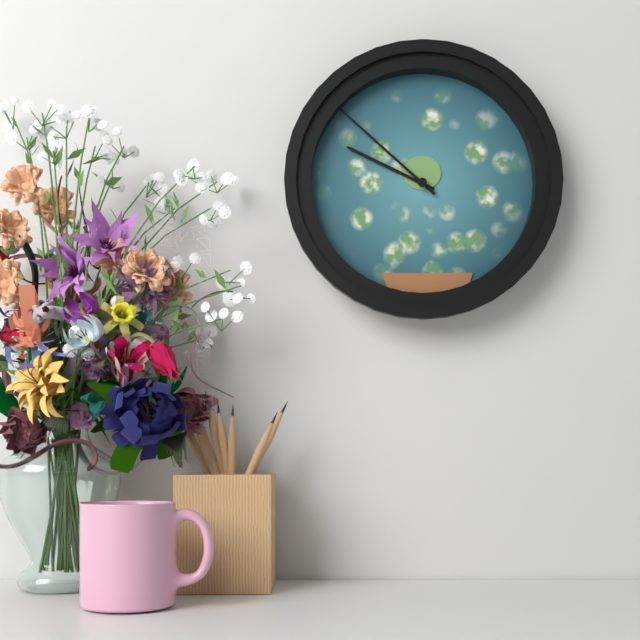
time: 9:52
